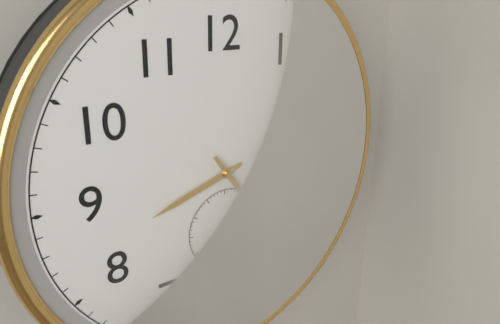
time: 8:24
